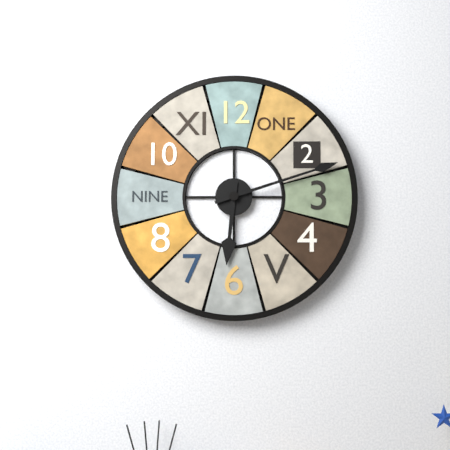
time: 6:12
